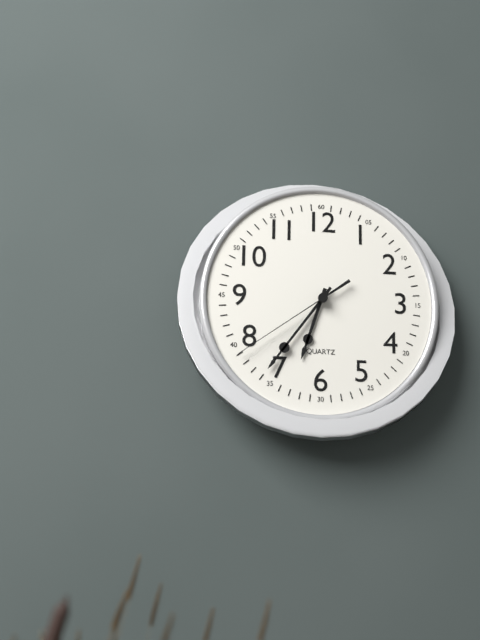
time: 6:36:39
